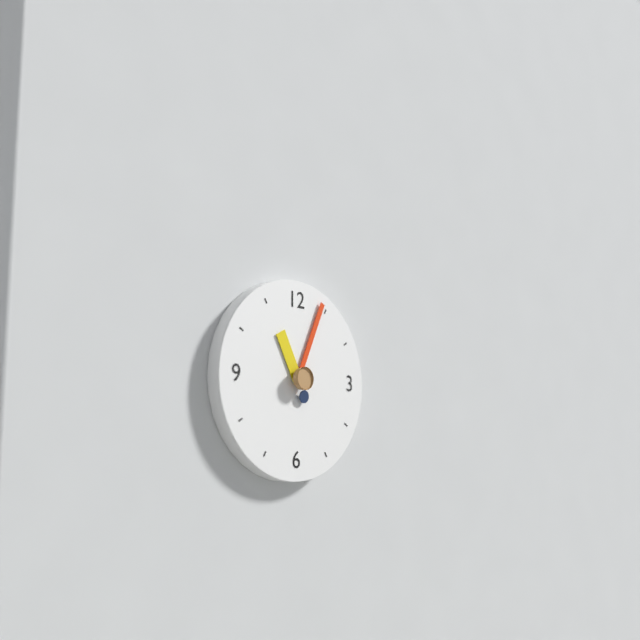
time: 11:04
